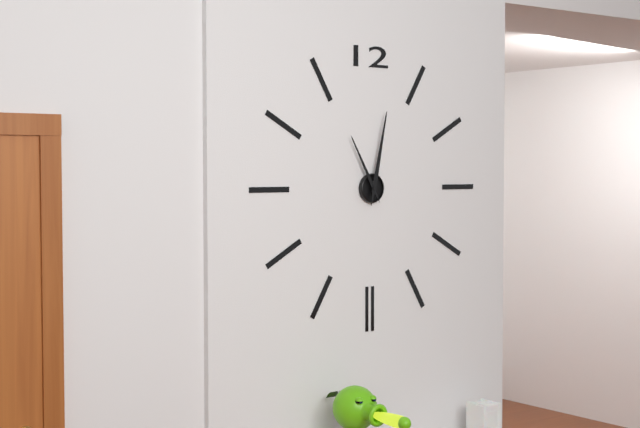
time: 11:02
